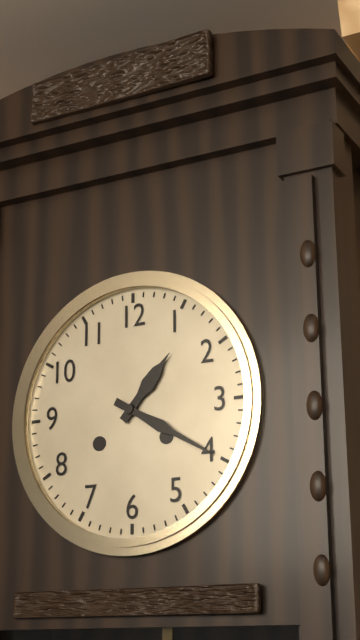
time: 1:20
